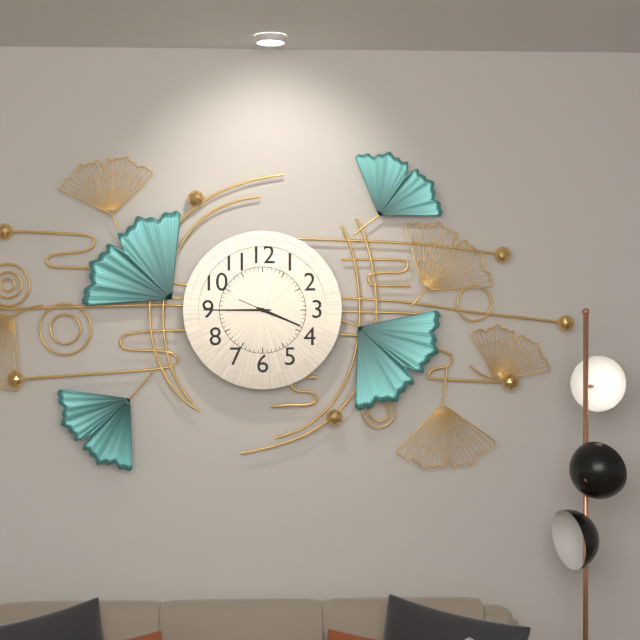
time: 3:45:19
